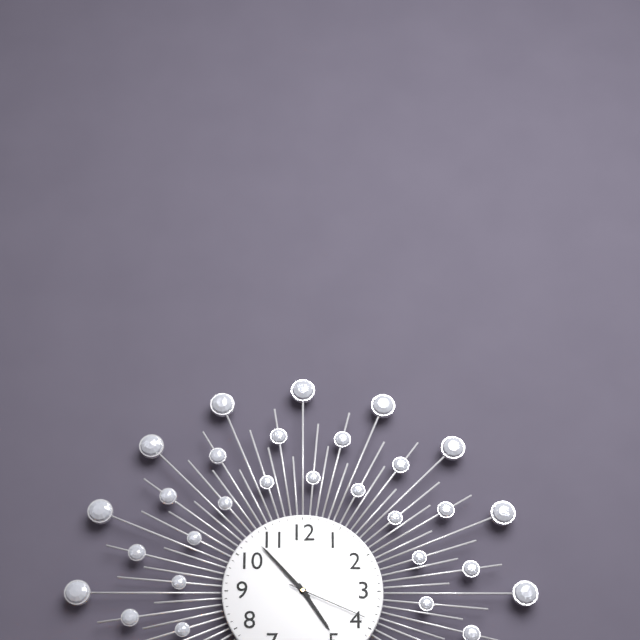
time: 4:53:19
